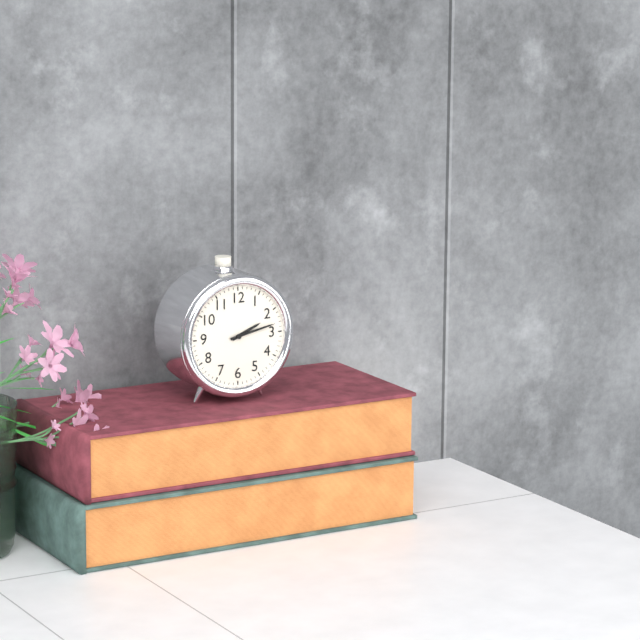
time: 2:13
